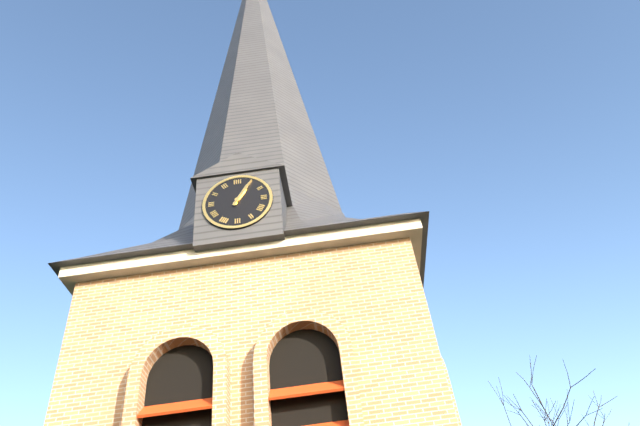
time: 1:05
